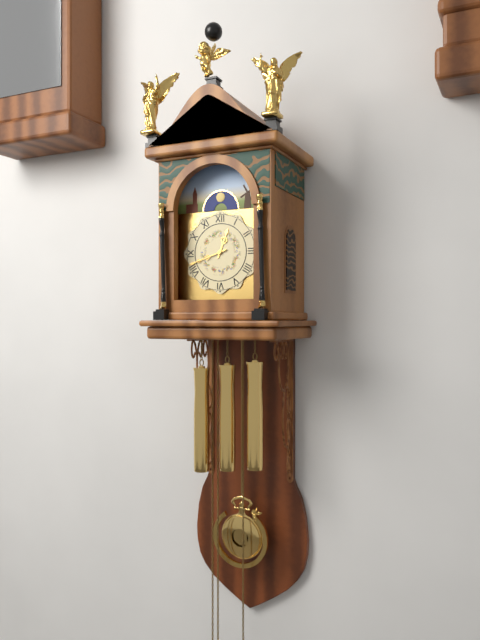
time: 12:42
